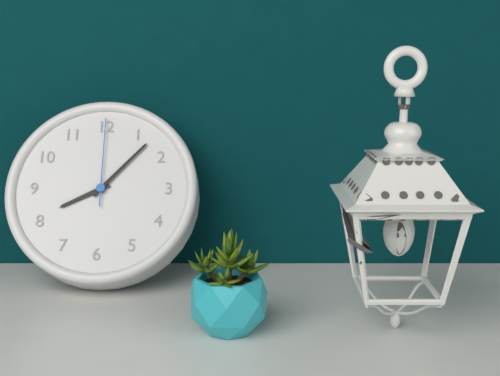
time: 8:07:00
